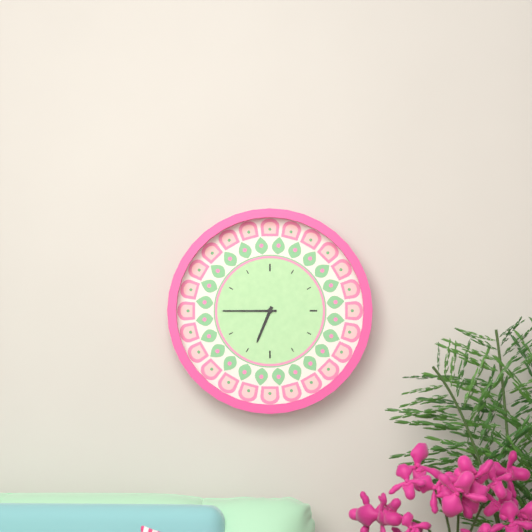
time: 6:45
